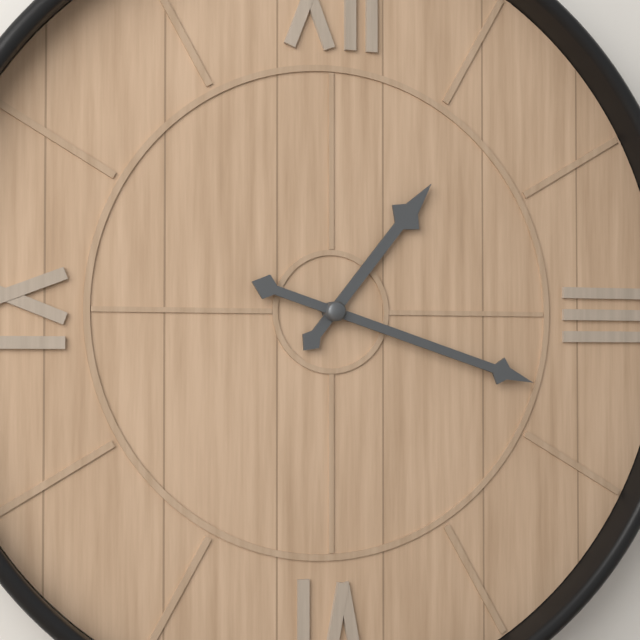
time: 1:18
